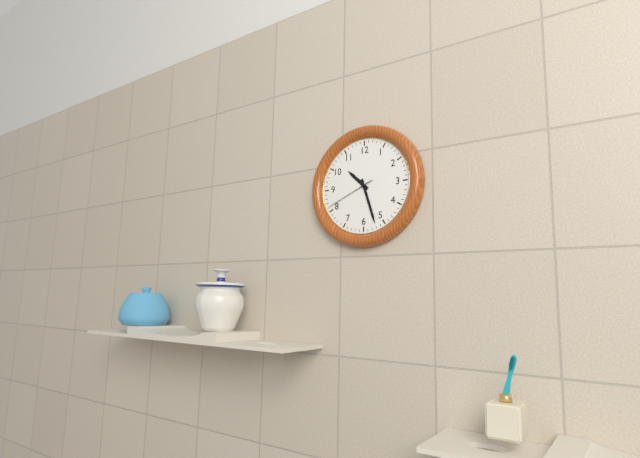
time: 10:27
